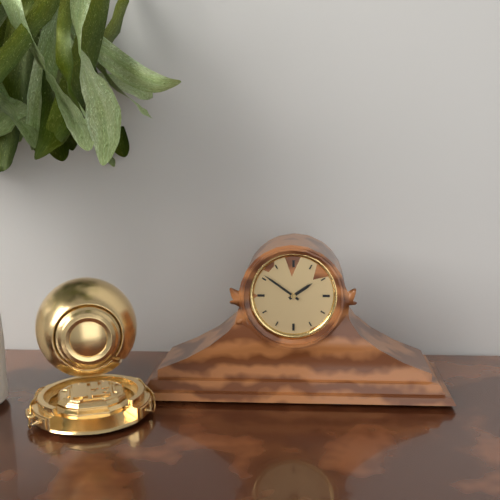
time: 1:51
